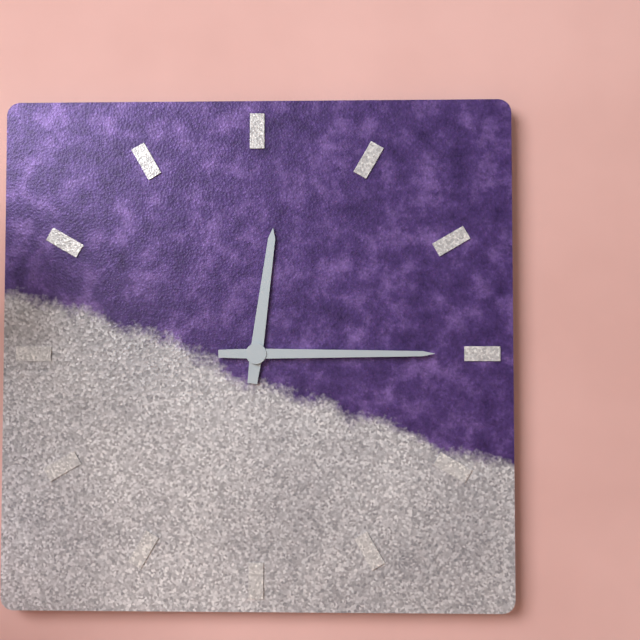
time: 12:15
